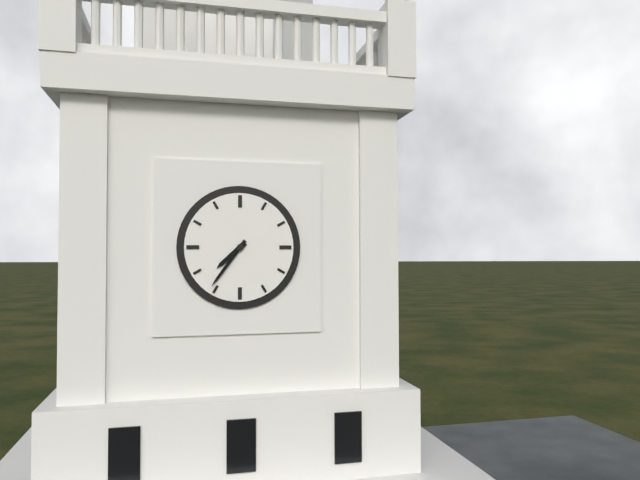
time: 7:36
